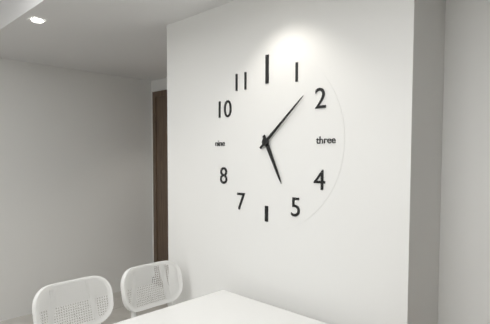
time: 5:08
